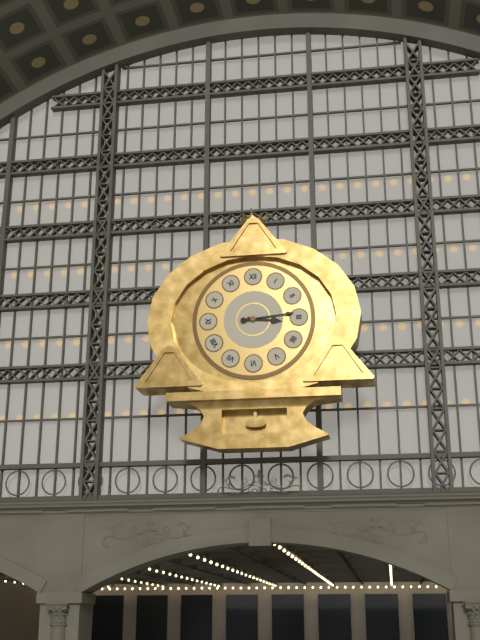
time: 3:14
